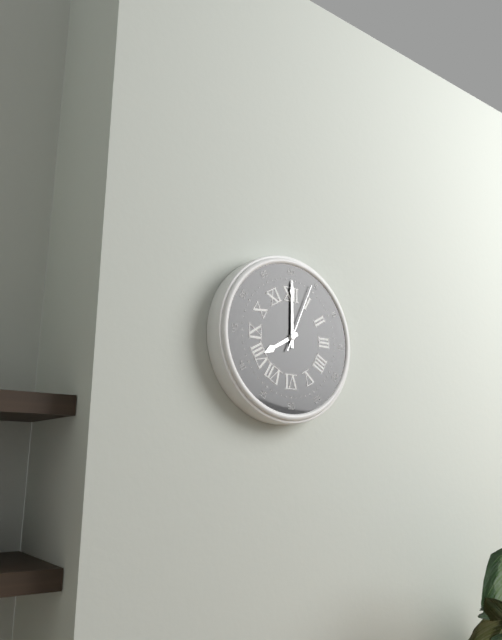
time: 8:00:04
